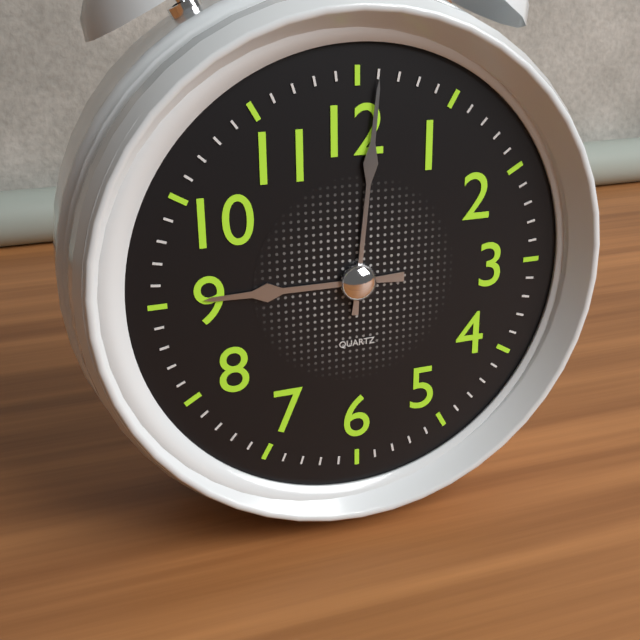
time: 9:01
